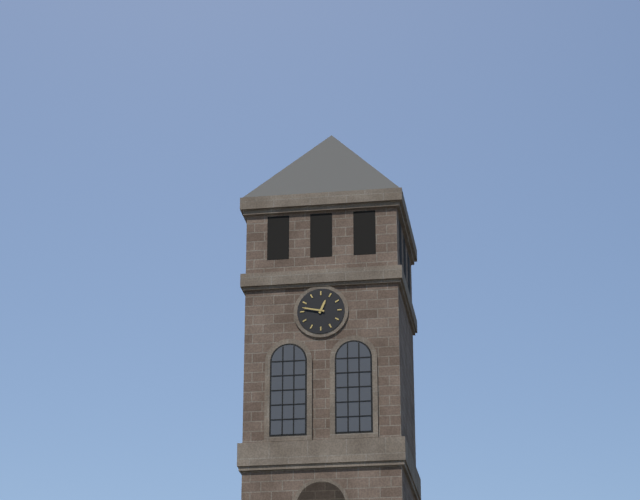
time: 12:47
